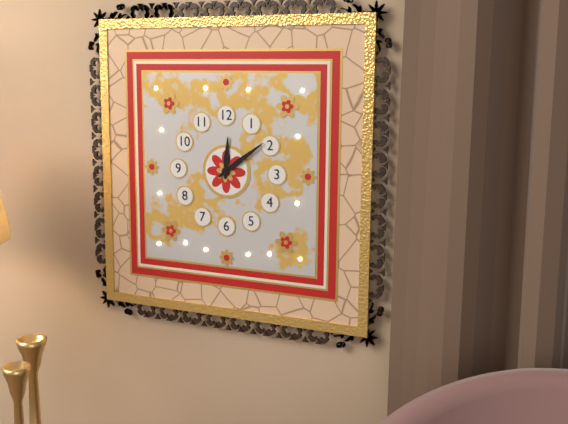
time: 12:09
